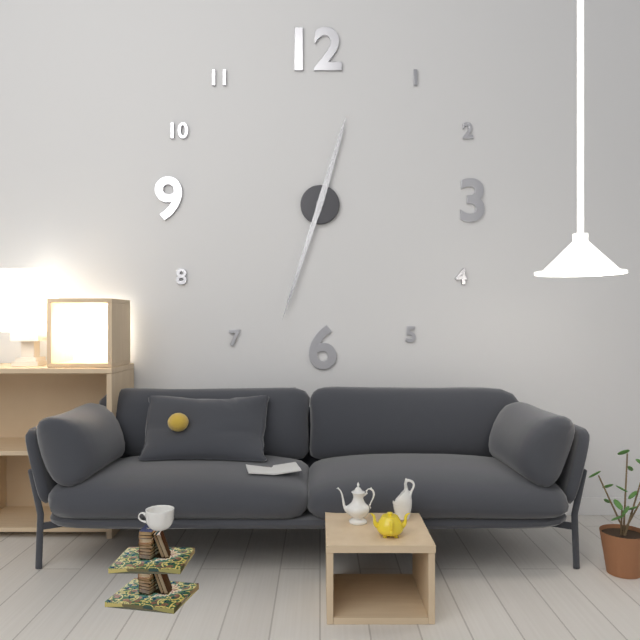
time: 12:33
